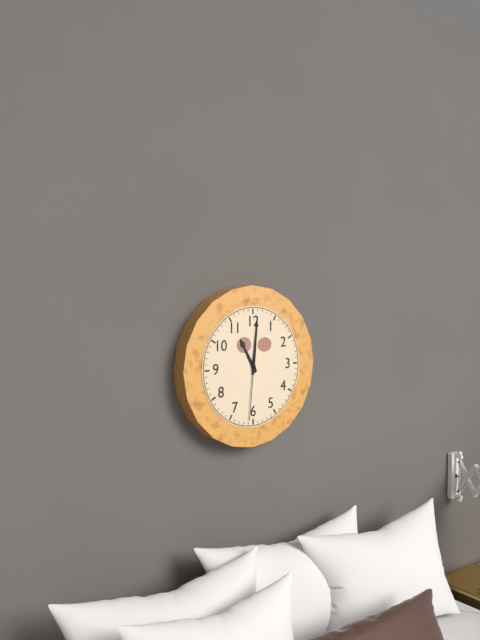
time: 11:01:31
